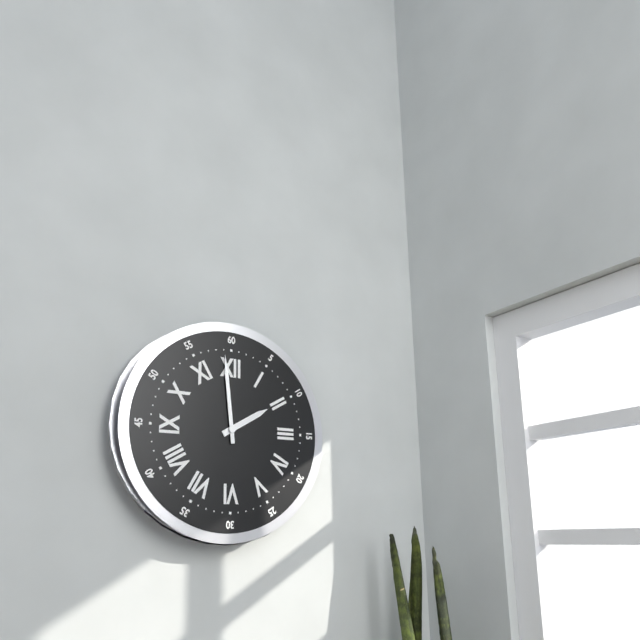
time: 1:59
